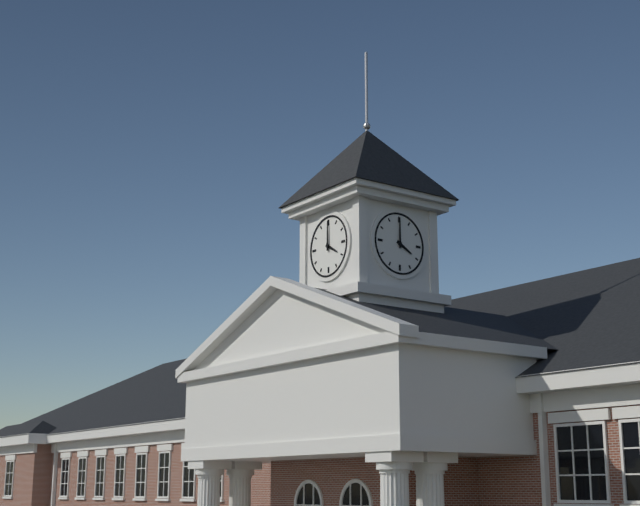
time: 4:00
